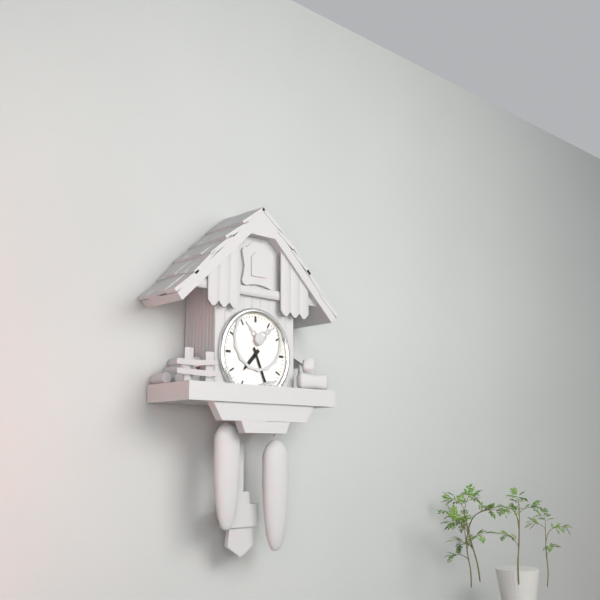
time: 7:26
